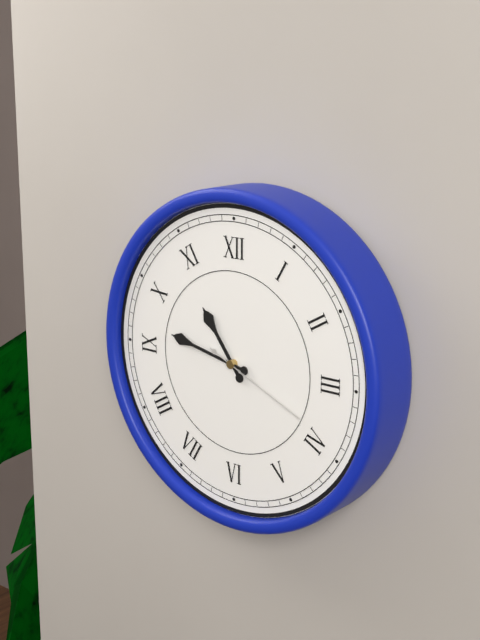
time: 10:47:19
